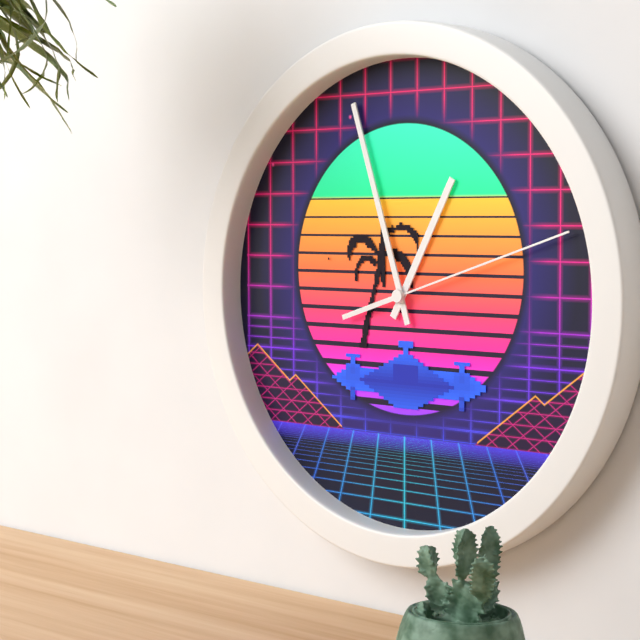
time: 12:57:12
